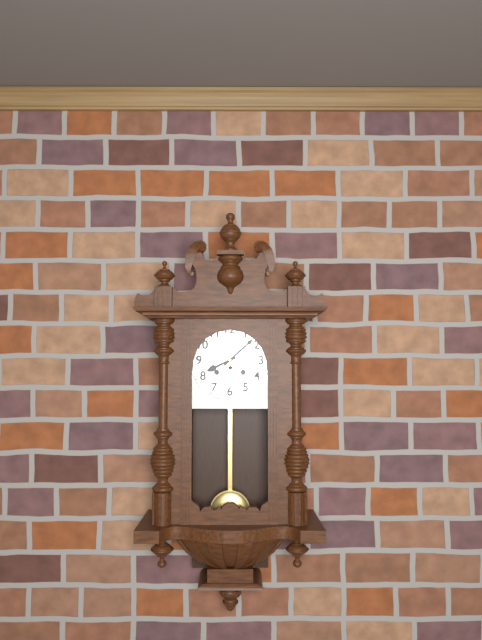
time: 8:08
